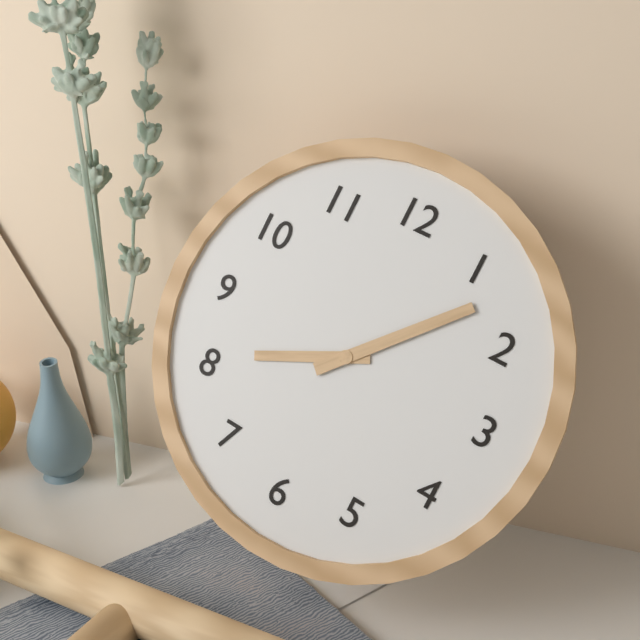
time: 8:07
